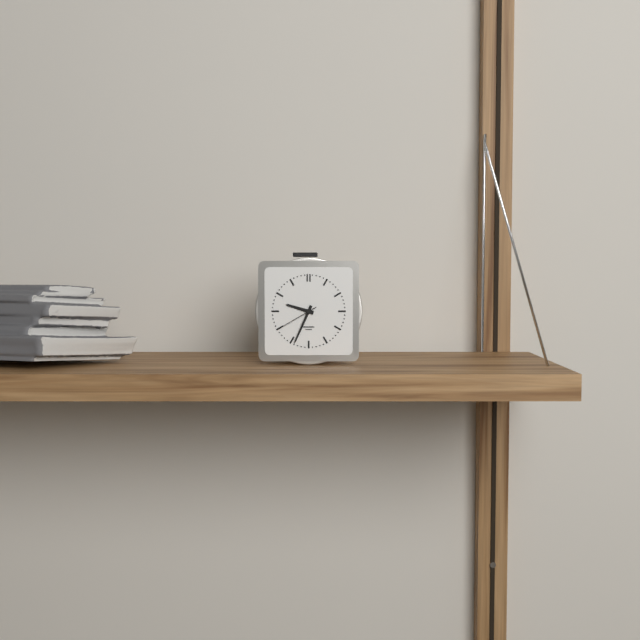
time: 9:34
